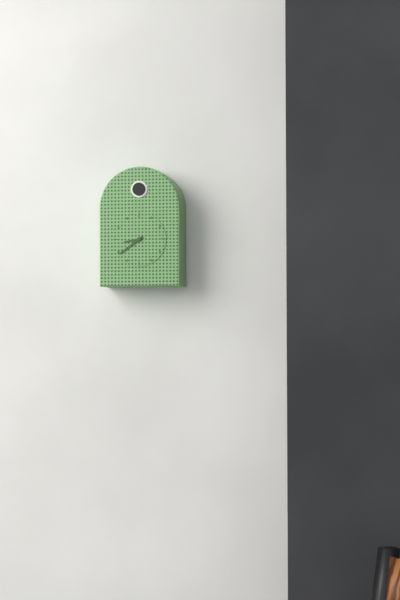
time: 8:39
